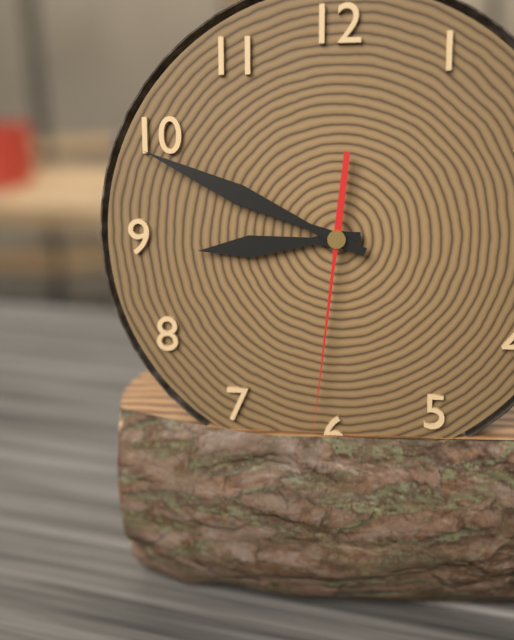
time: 8:49:31
